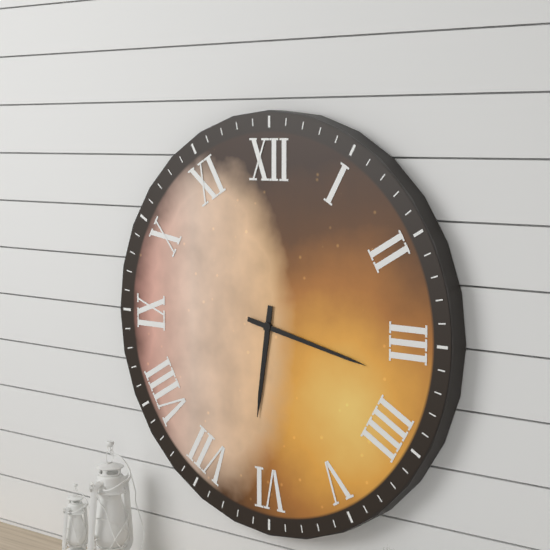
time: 6:17
